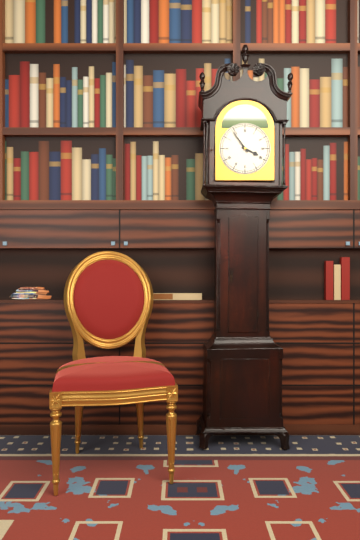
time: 3:54
